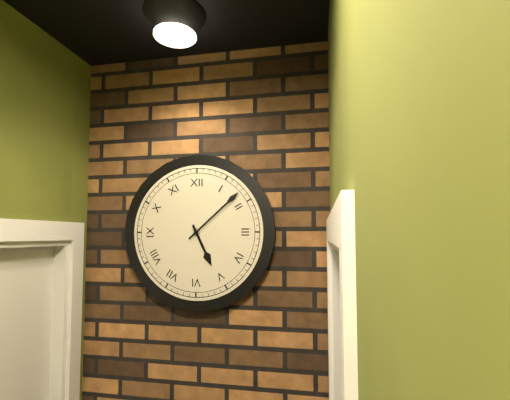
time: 5:08
